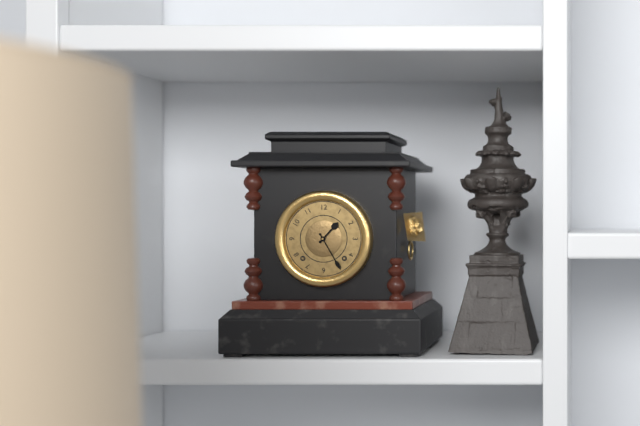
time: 1:25
